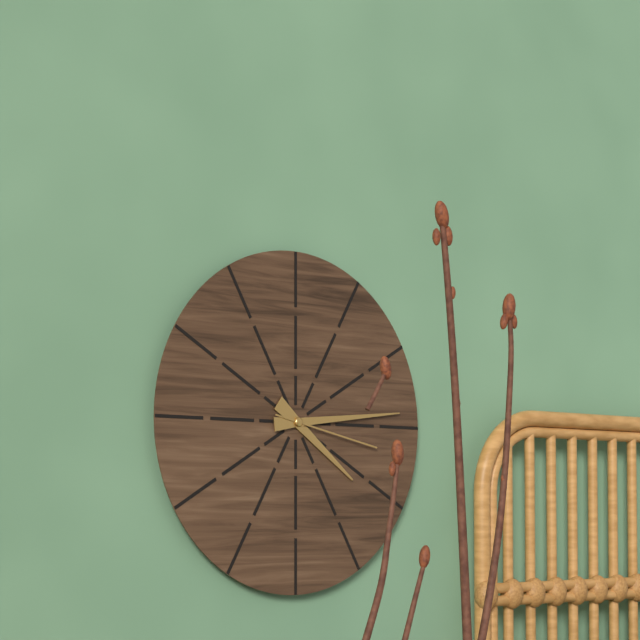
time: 4:14:17
